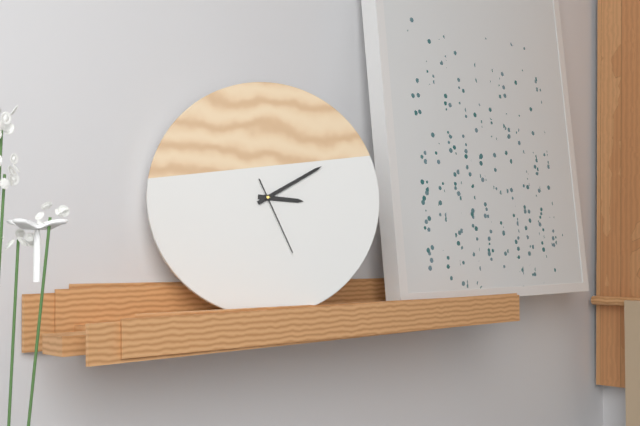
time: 3:10:26
